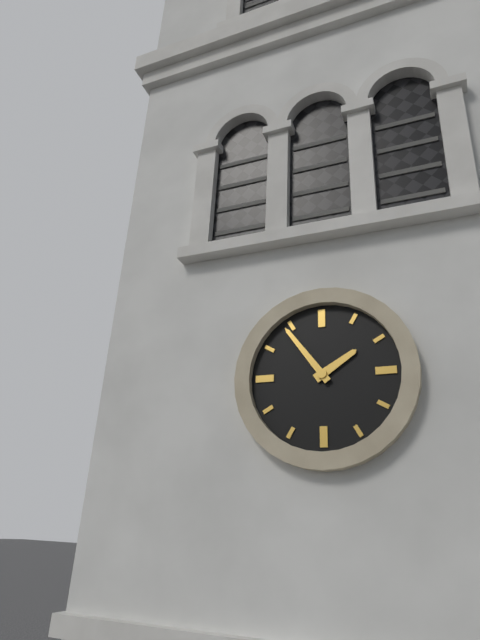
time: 1:54
